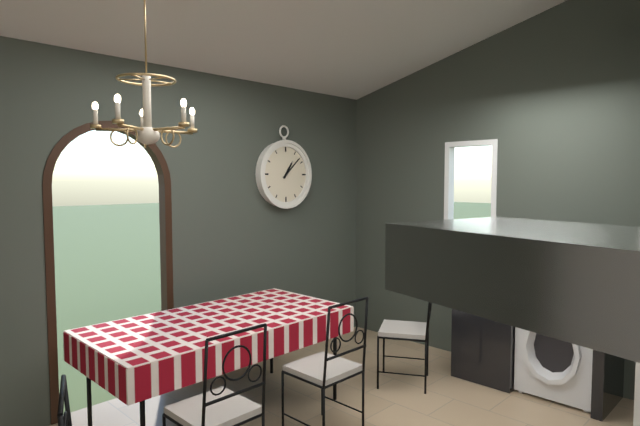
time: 1:08
